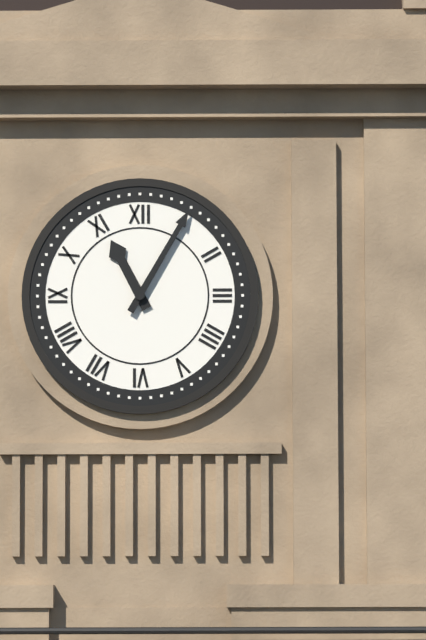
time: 11:05
